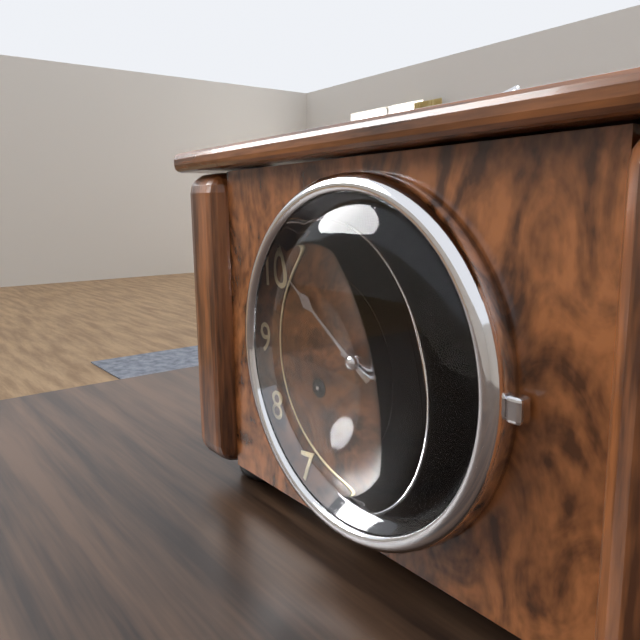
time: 3:51
